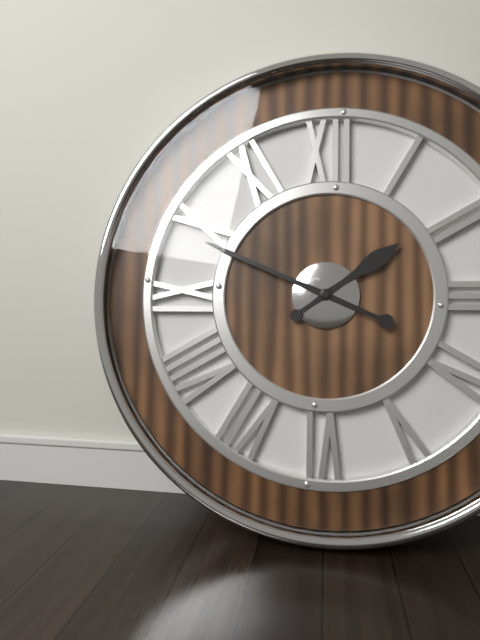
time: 1:49
